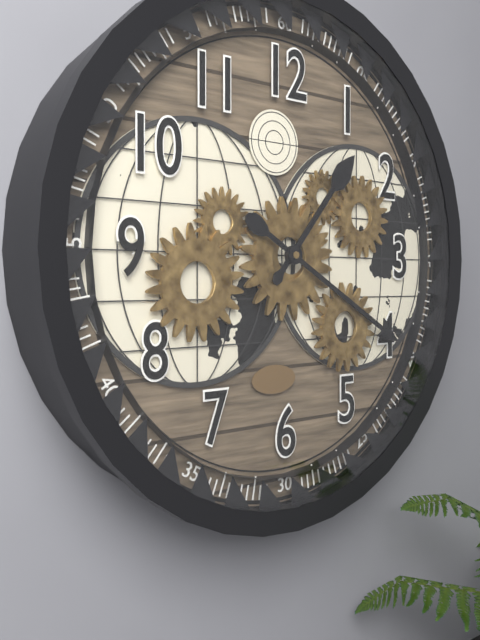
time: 1:20
